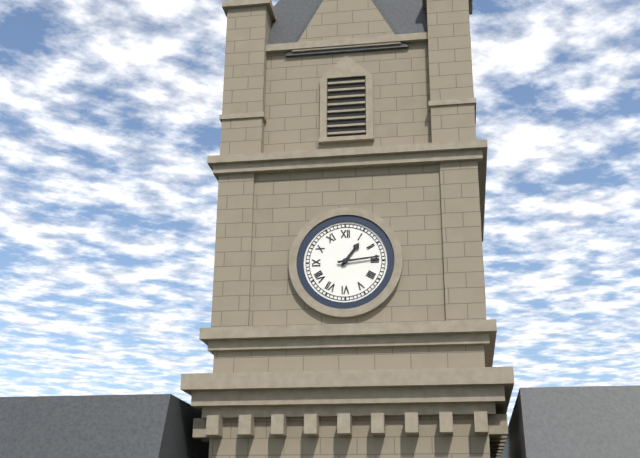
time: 1:14
